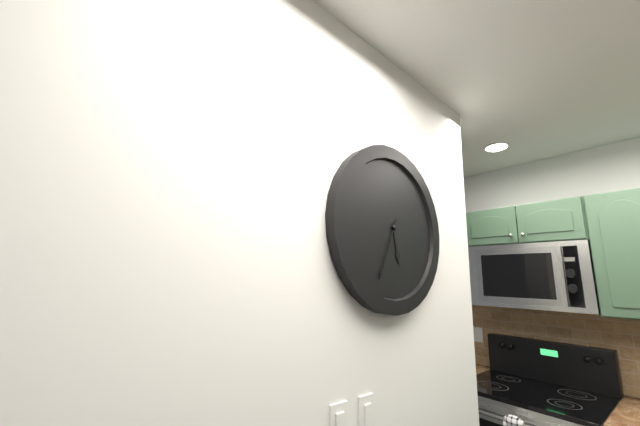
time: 5:34
